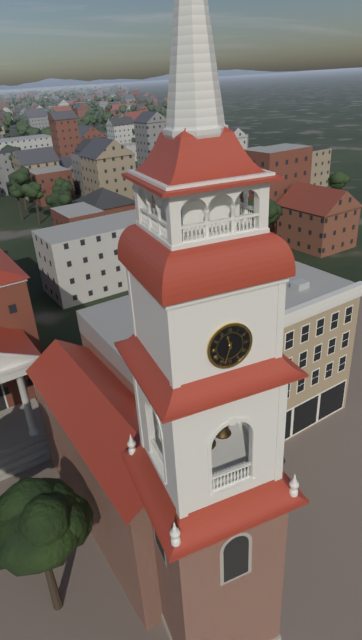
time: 11:33
